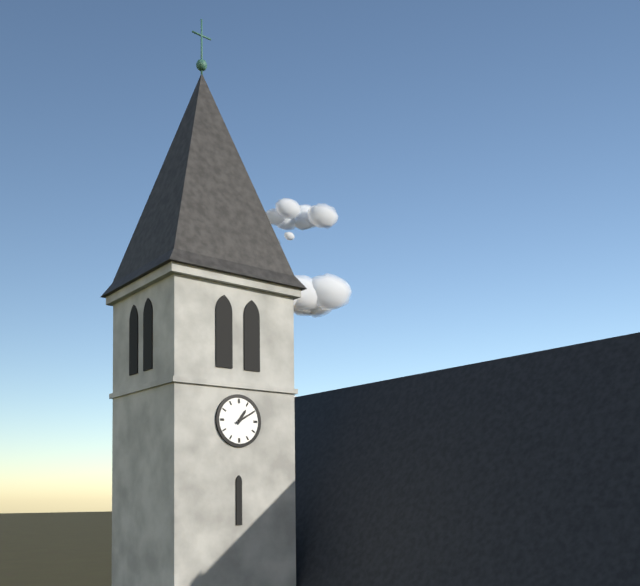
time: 1:10
